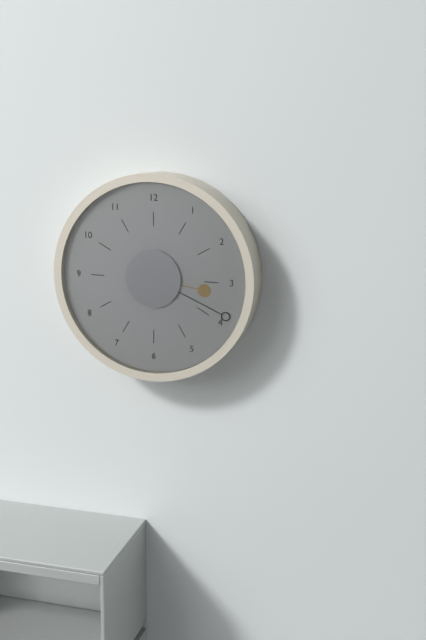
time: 3:19
